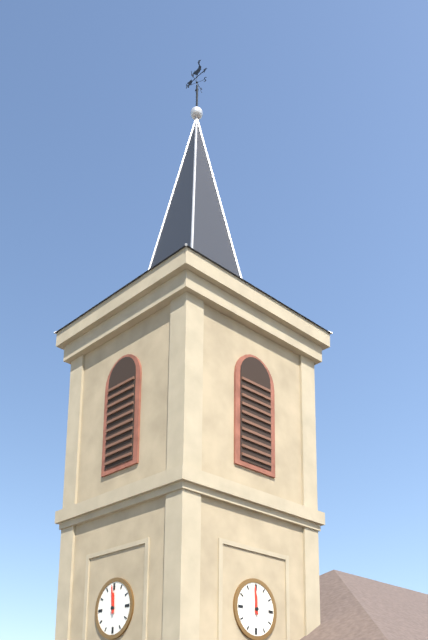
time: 11:59
